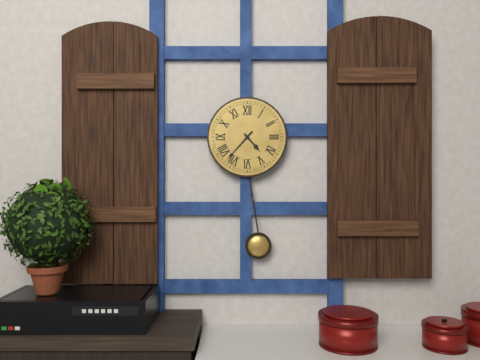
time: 4:37
